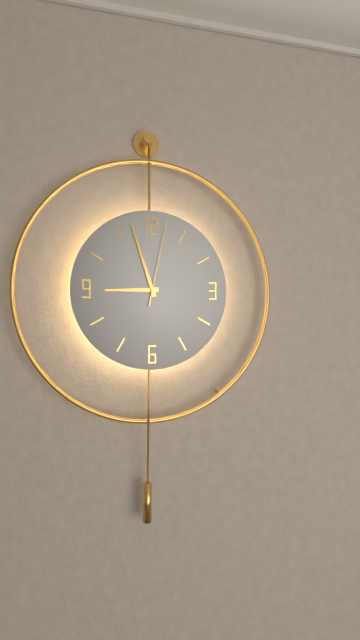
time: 8:57:02
